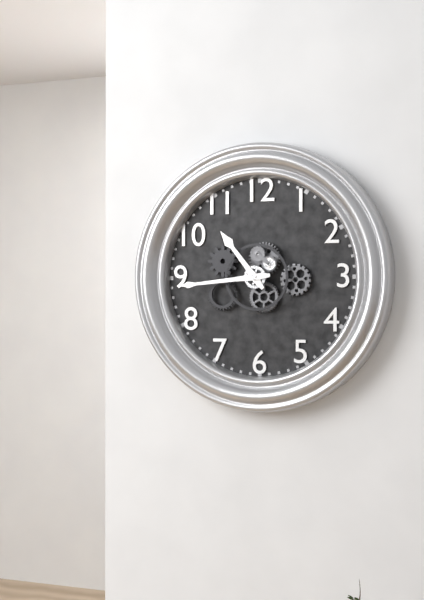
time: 10:44
